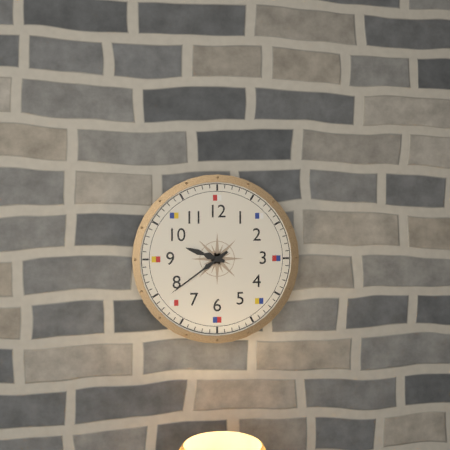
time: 9:39
